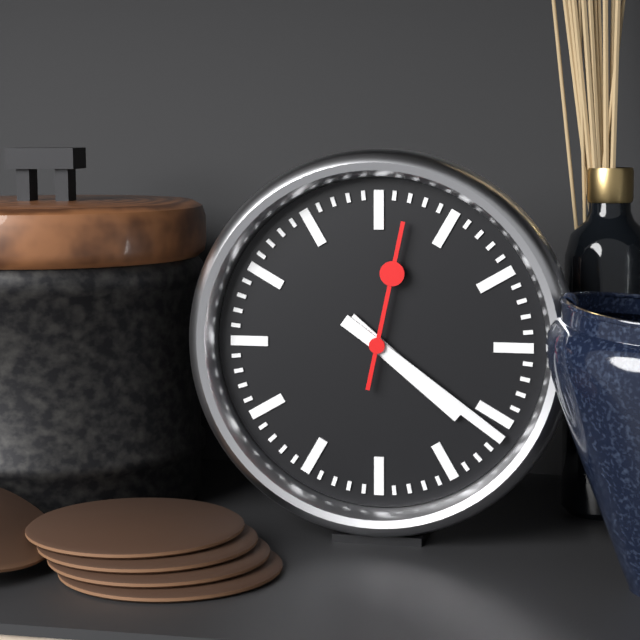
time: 4:21:02
